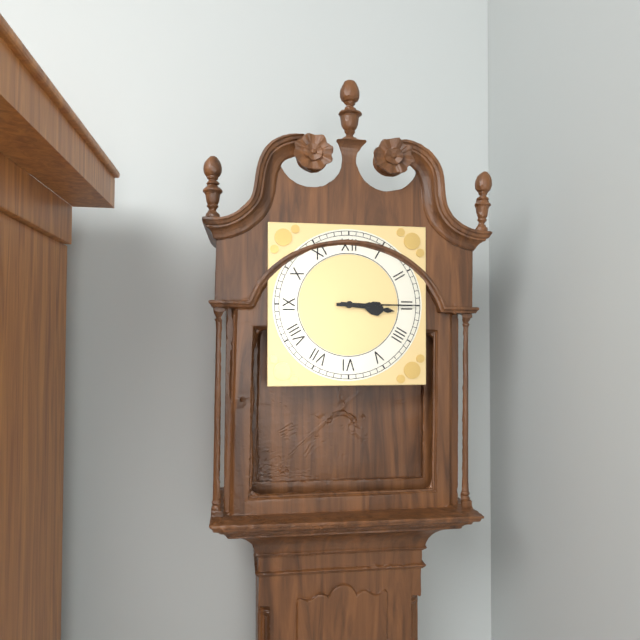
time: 3:15
